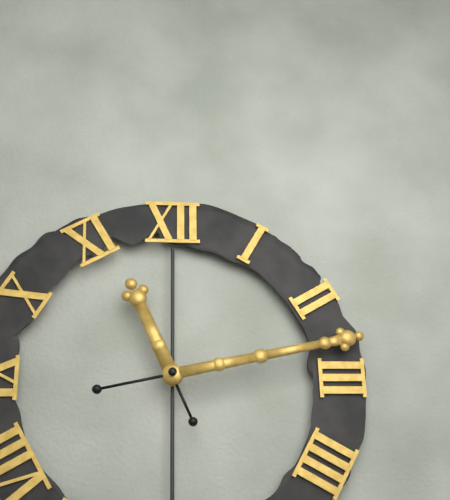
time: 11:13
